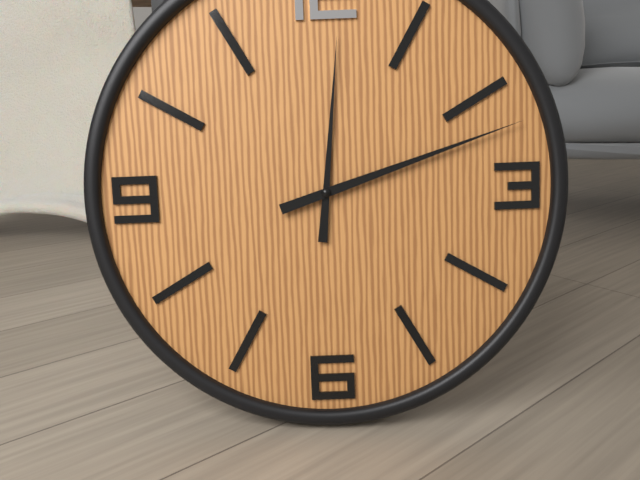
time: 12:12
